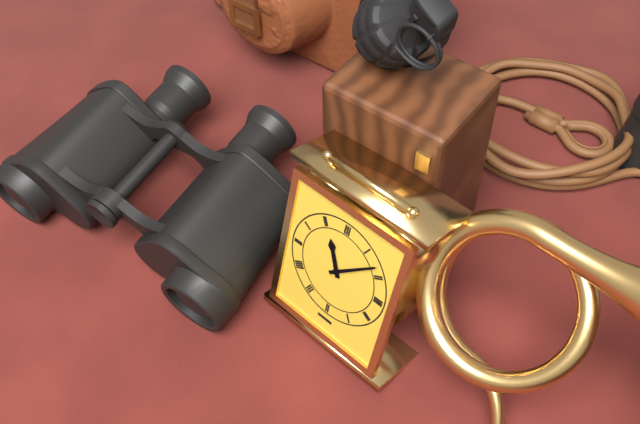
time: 11:08
